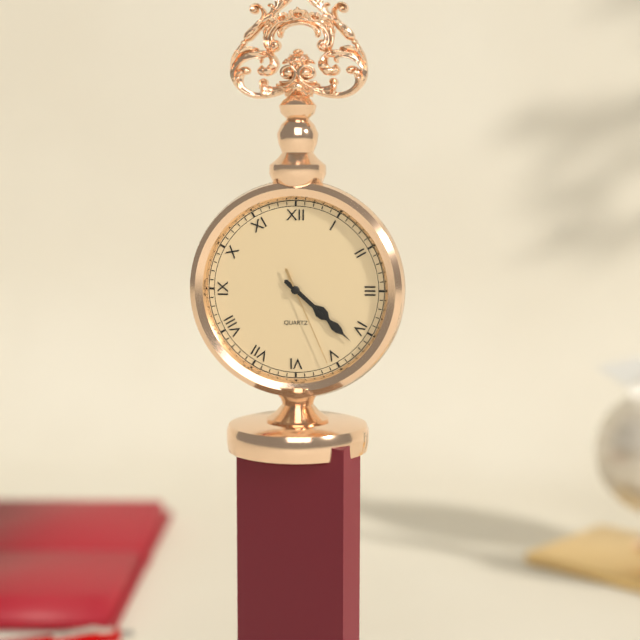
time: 4:22:26
